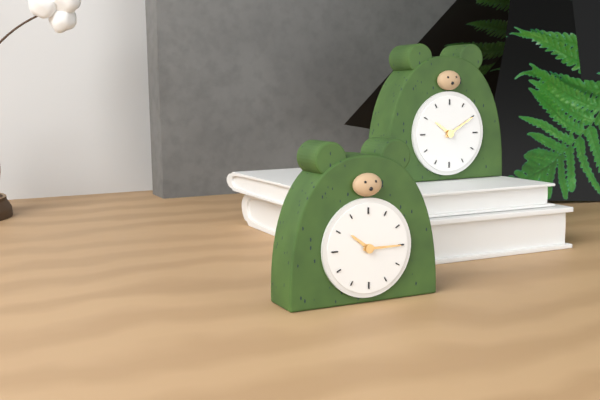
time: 10:15
